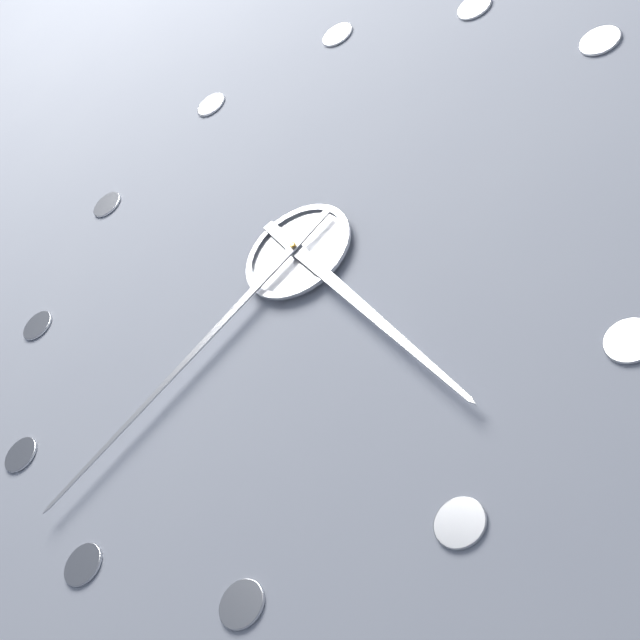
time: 4:37
